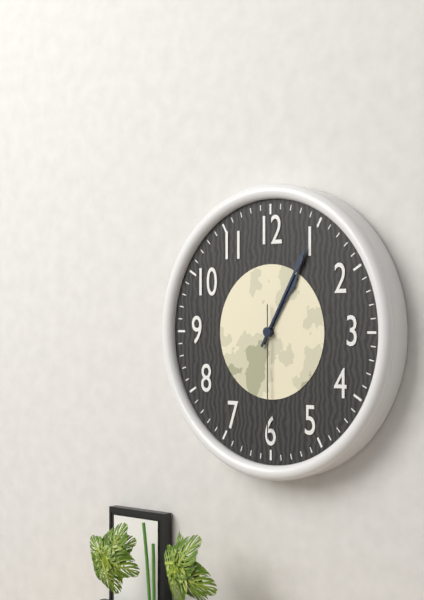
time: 1:05:30
